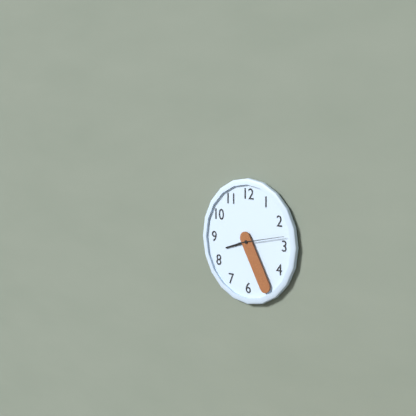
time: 8:25
